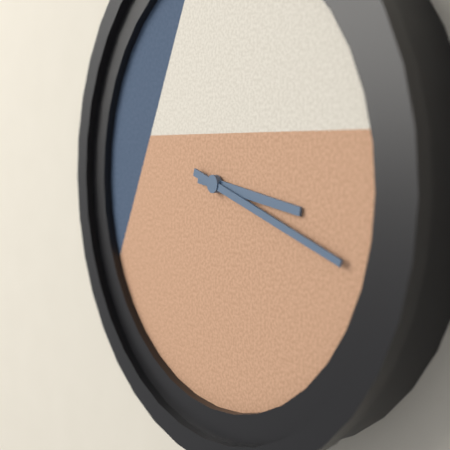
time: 3:18
